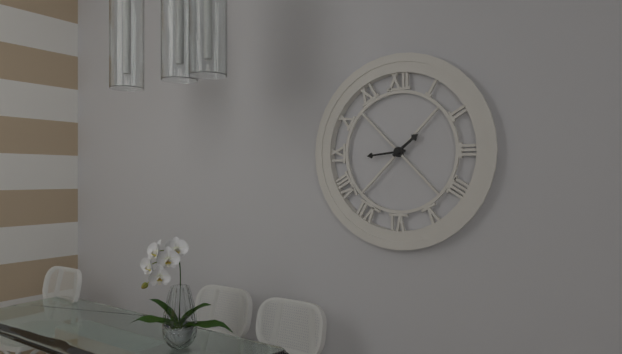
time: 1:44
